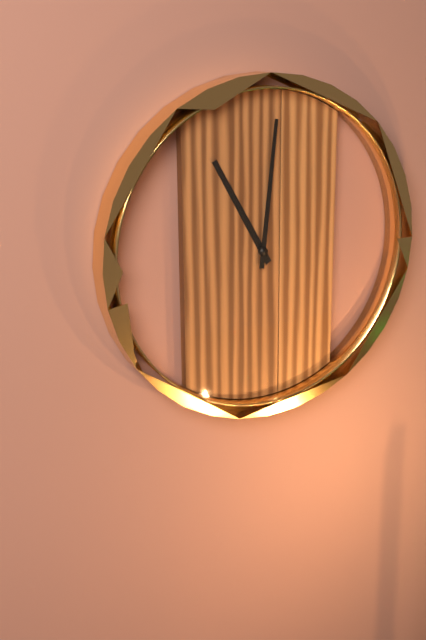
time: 11:01
